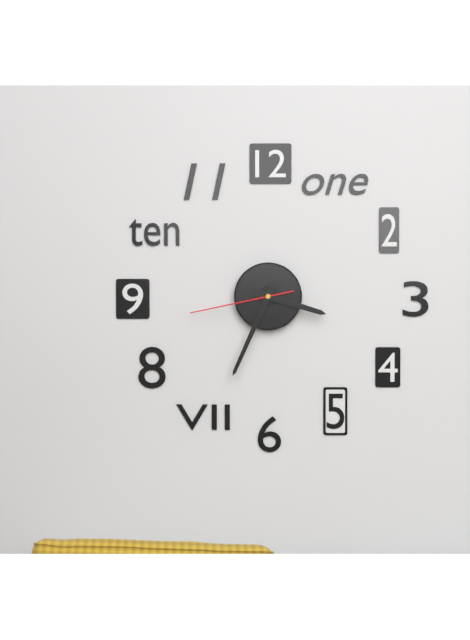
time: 3:34:43
